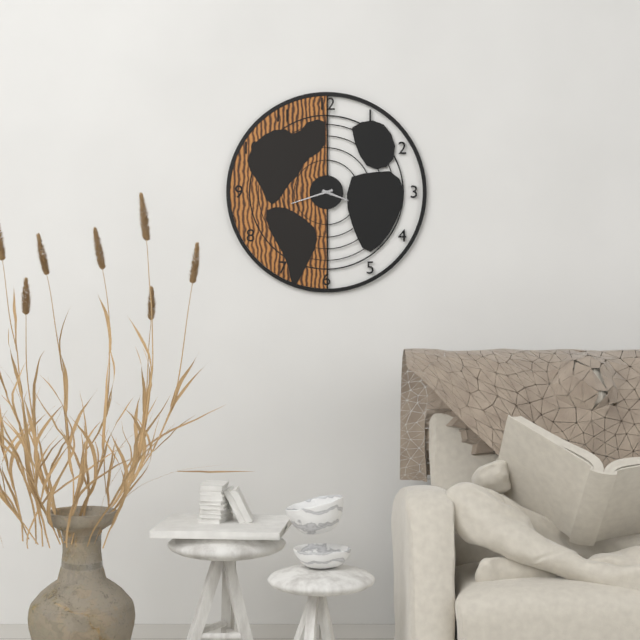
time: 3:42
